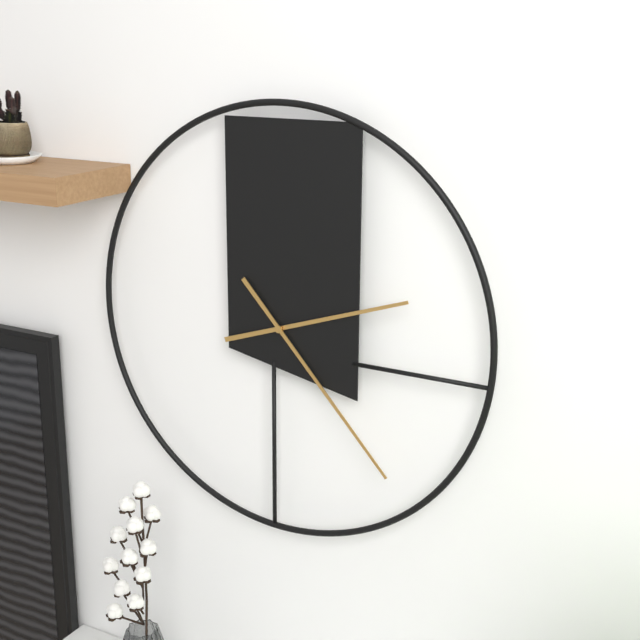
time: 2:23
